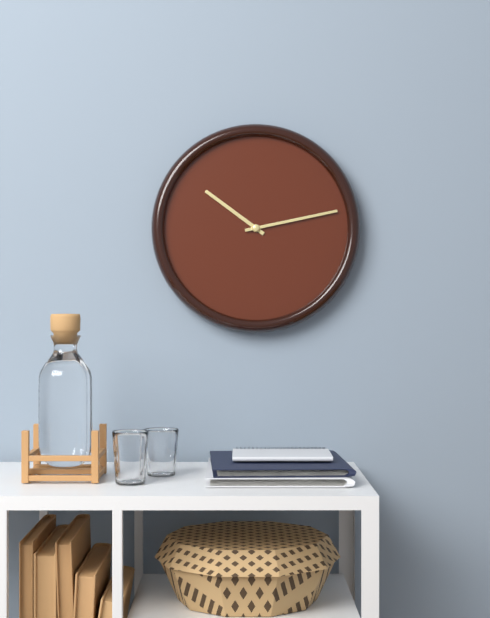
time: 10:13
